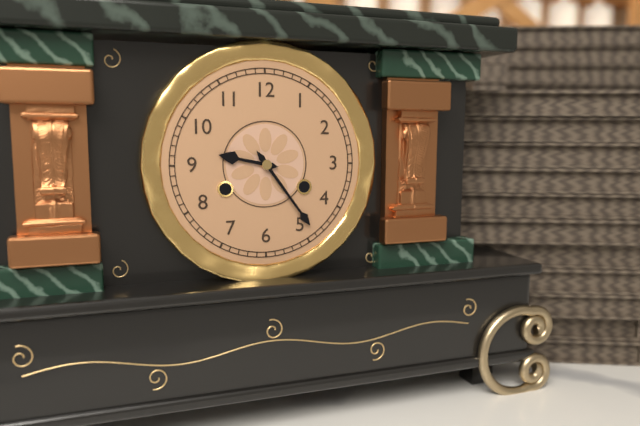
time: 9:24
